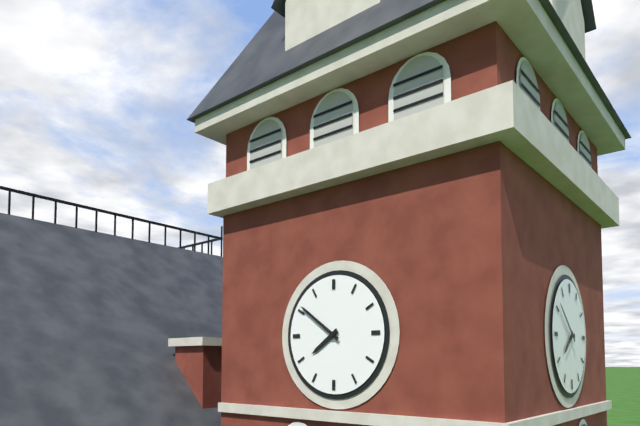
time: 7:51
